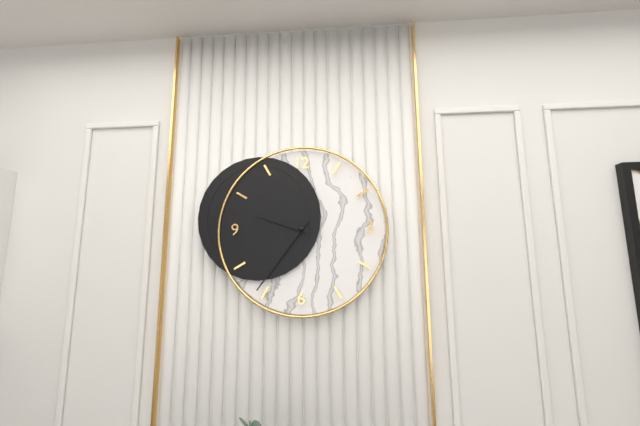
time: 9:36
